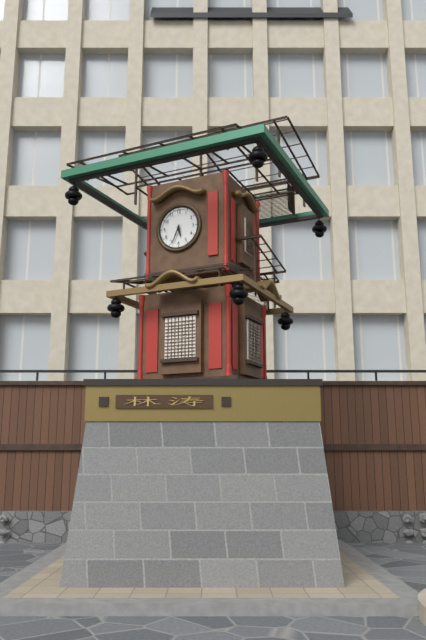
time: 5:34
